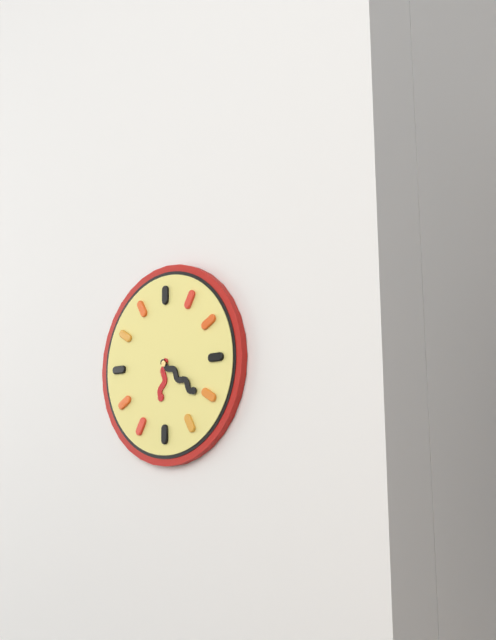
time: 6:21
